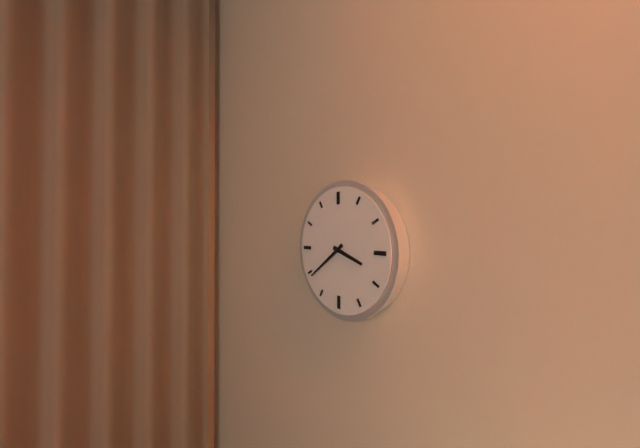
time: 3:39
